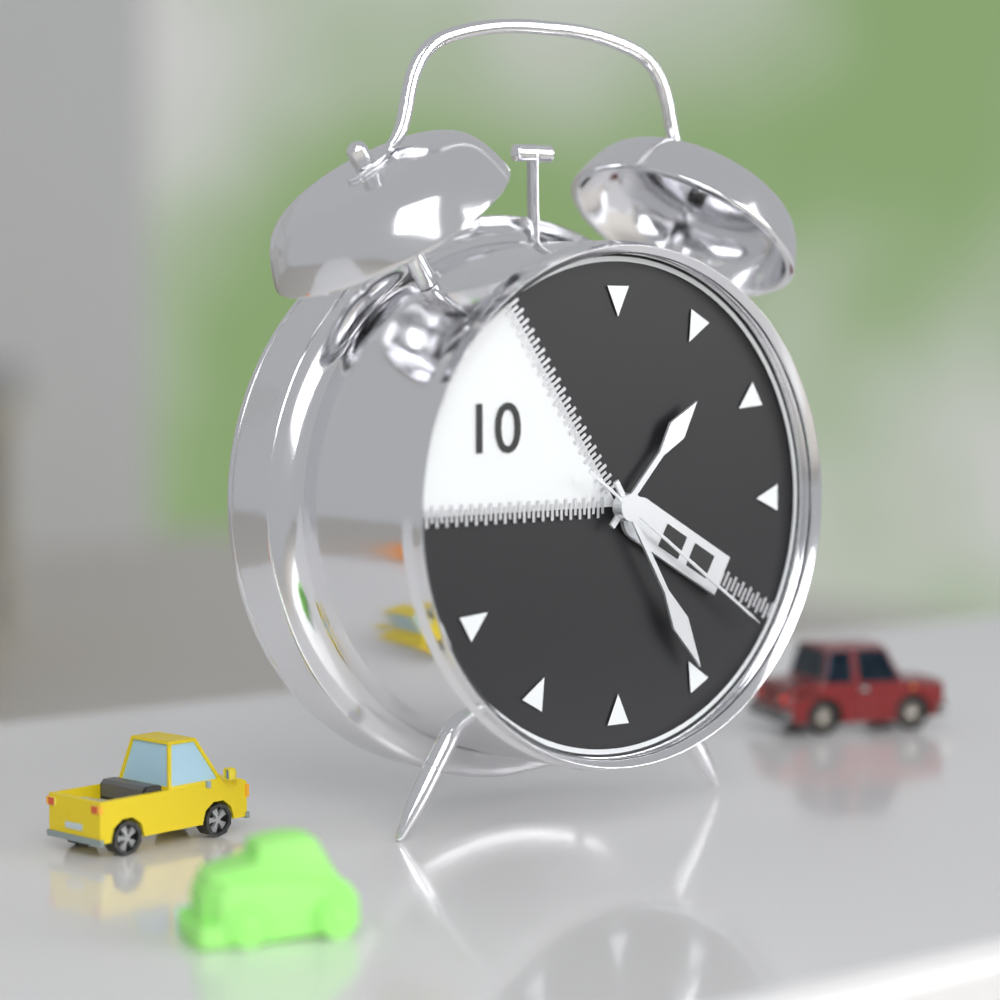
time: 1:25:21
